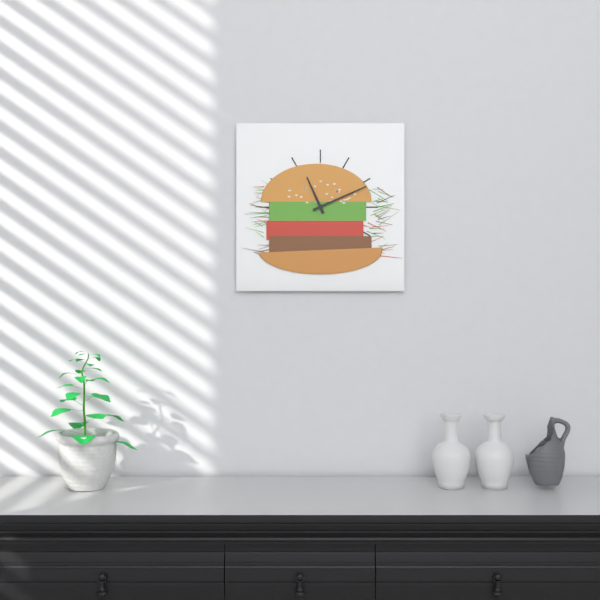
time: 11:11
